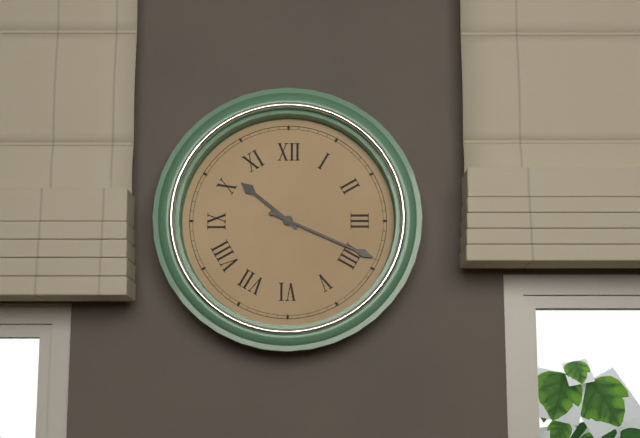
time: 10:19
